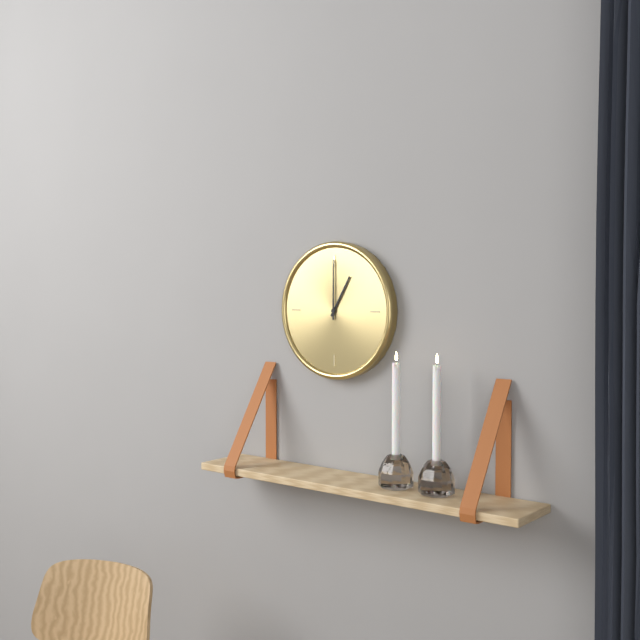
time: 1:00
